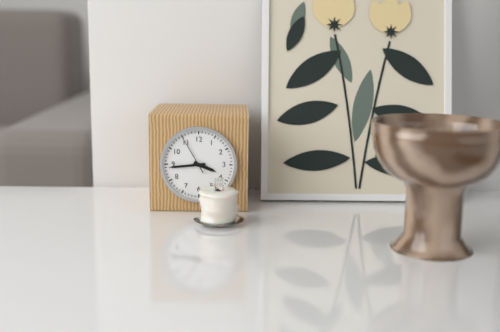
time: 3:44
